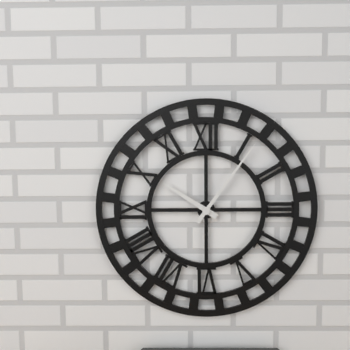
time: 10:06
